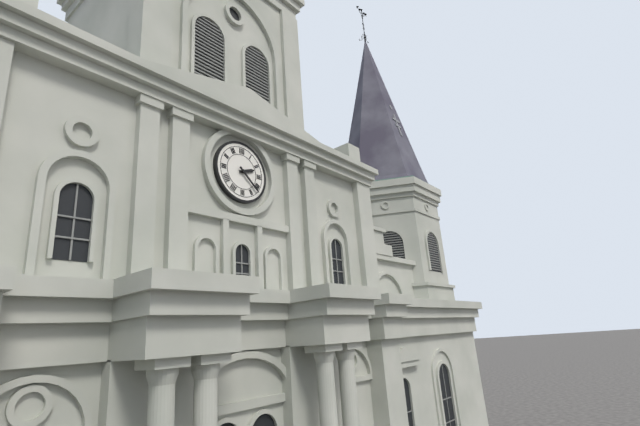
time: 2:22
